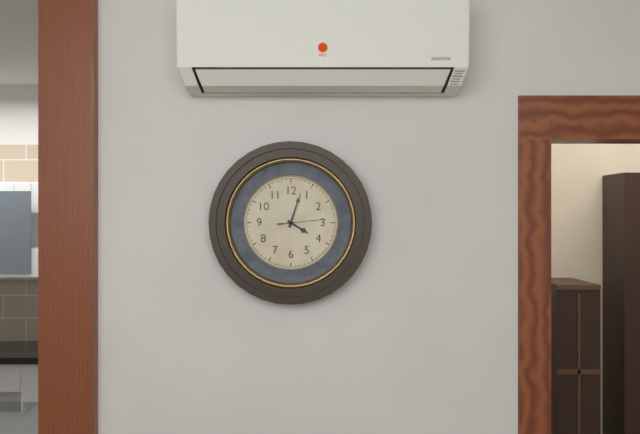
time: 4:03
